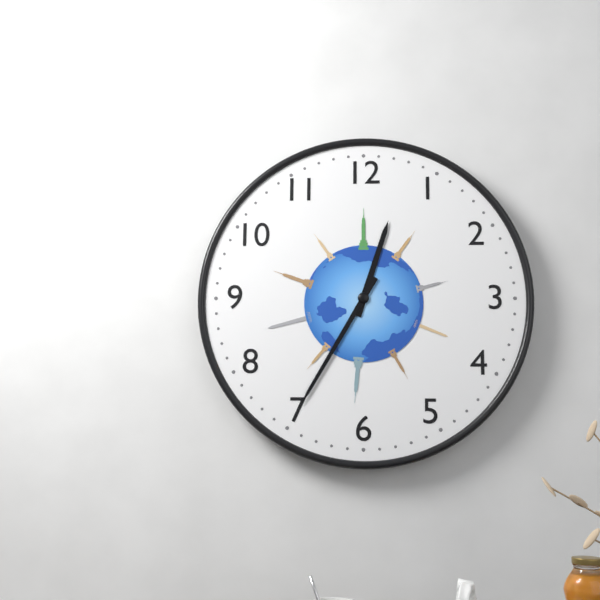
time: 12:35
